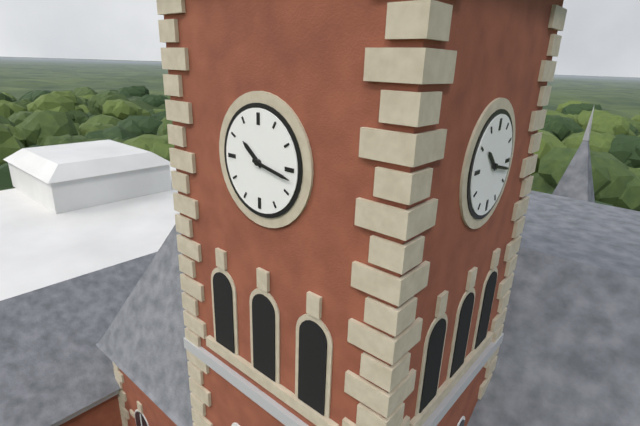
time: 10:17
